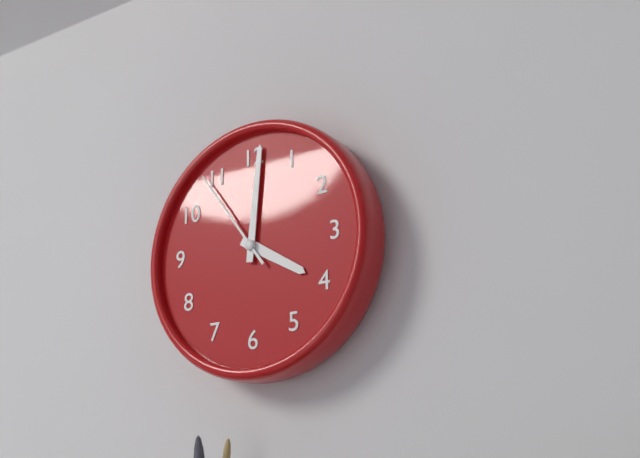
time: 4:01:54
